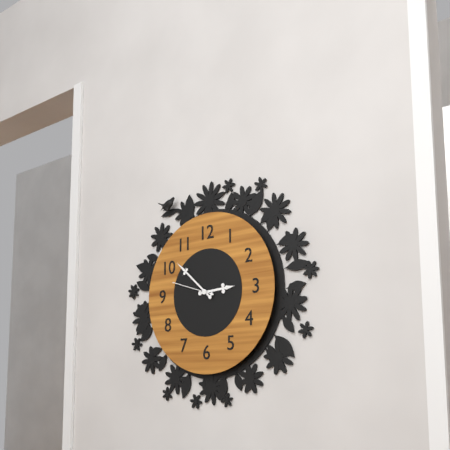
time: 2:52
